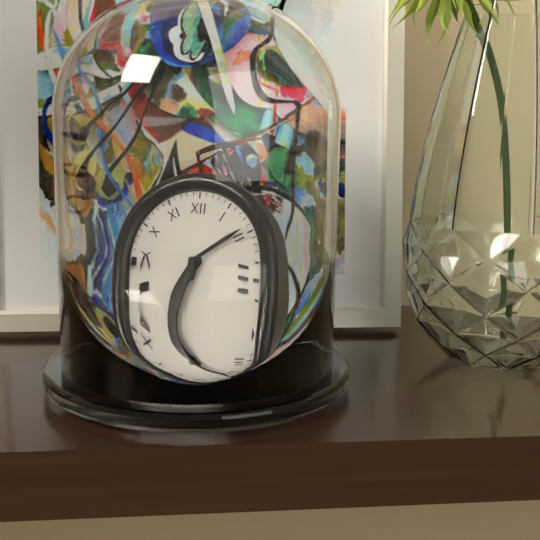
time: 8:09
